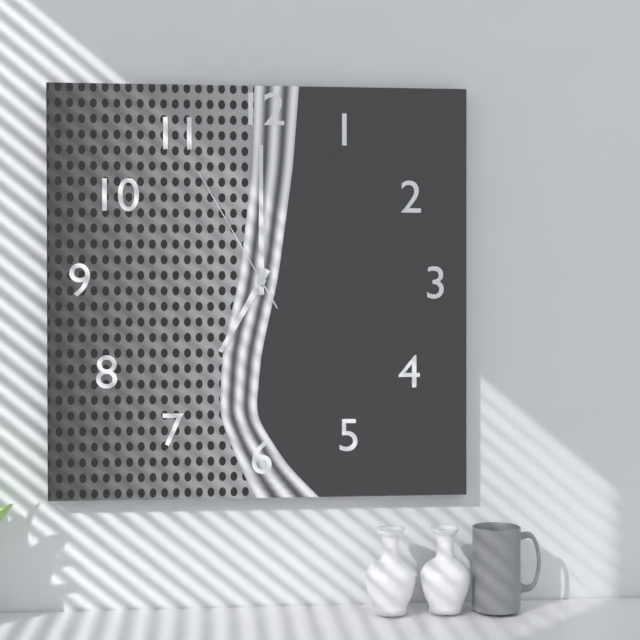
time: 7:00:55
